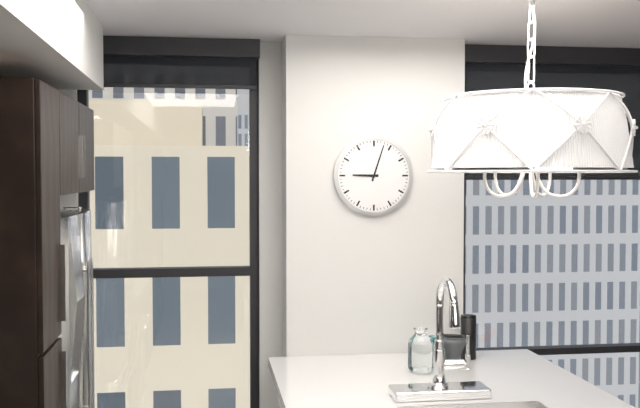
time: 9:03
